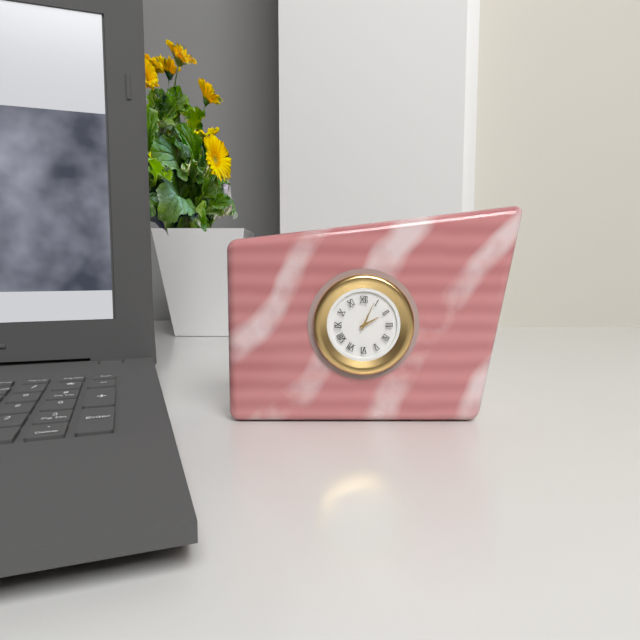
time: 2:04
